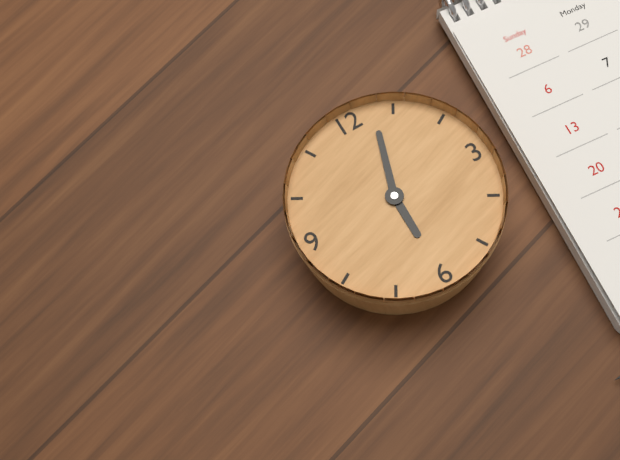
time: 6:03
